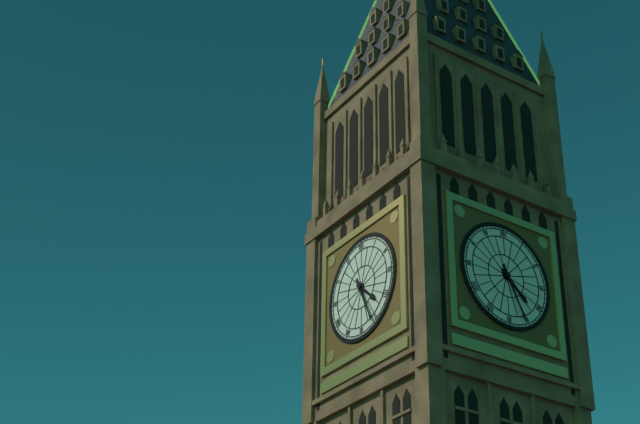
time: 4:26
